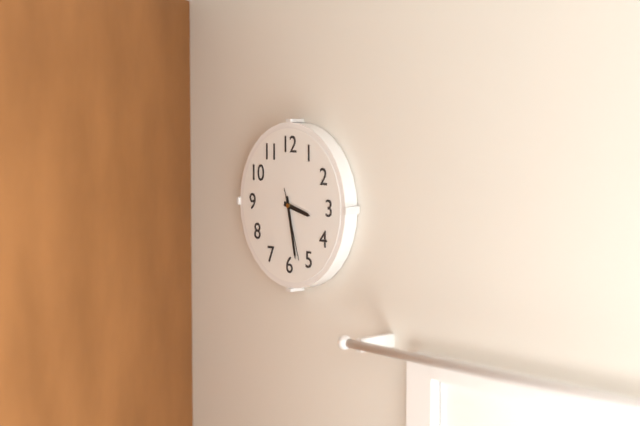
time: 3:28:27
